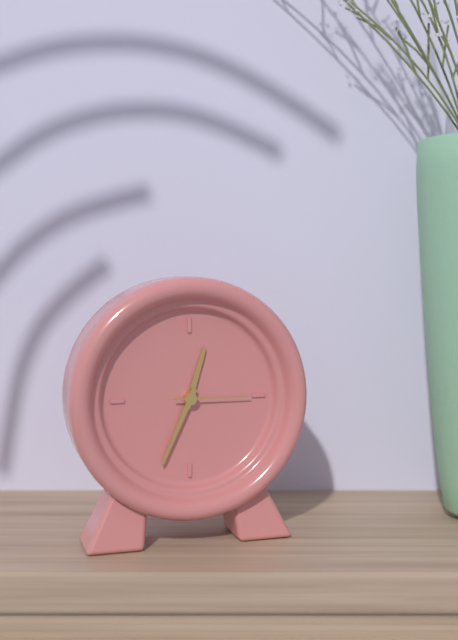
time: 12:34:15
